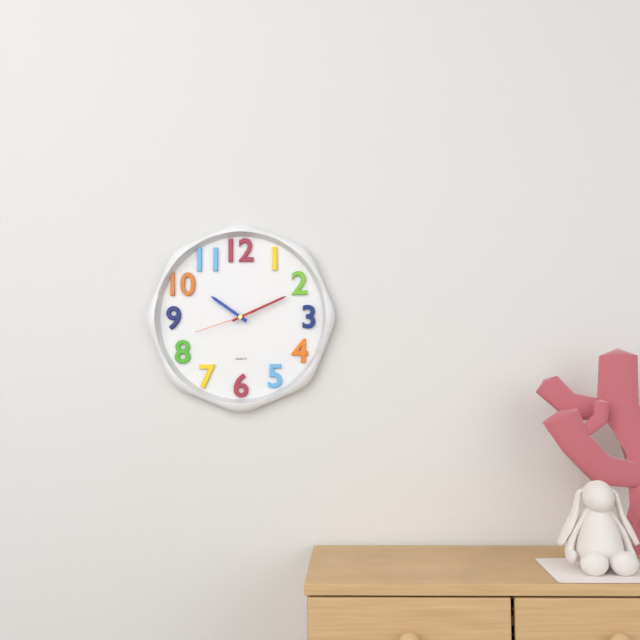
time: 10:11:42
